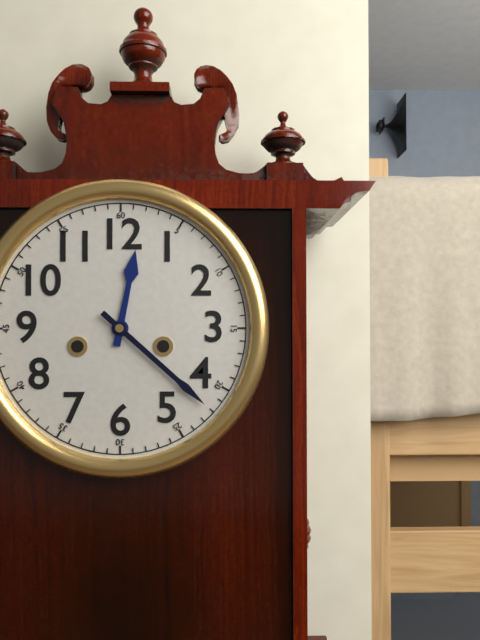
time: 12:22
